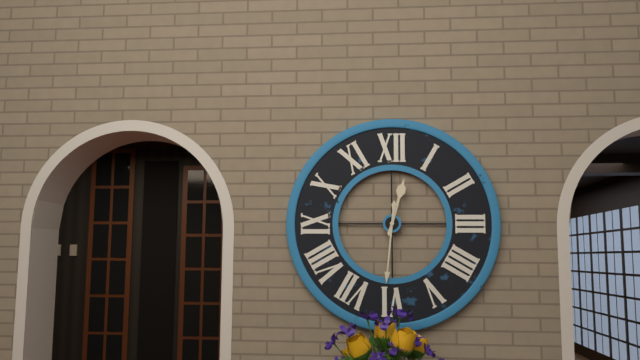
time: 12:31
